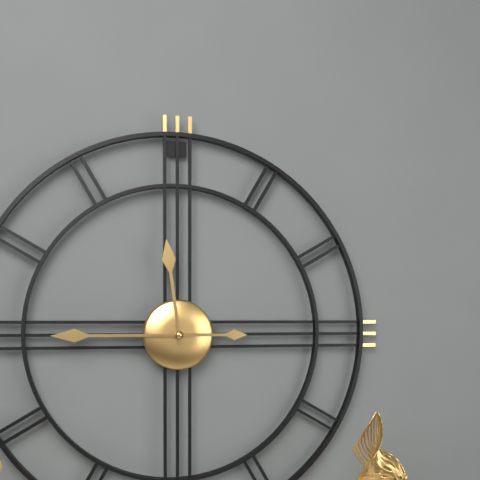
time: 11:45
